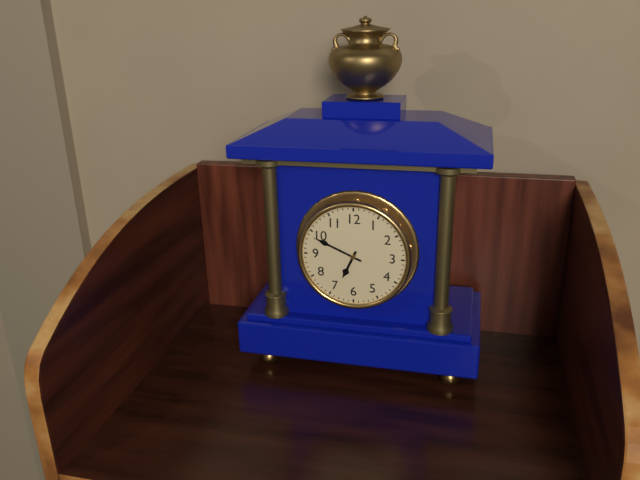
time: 6:49
